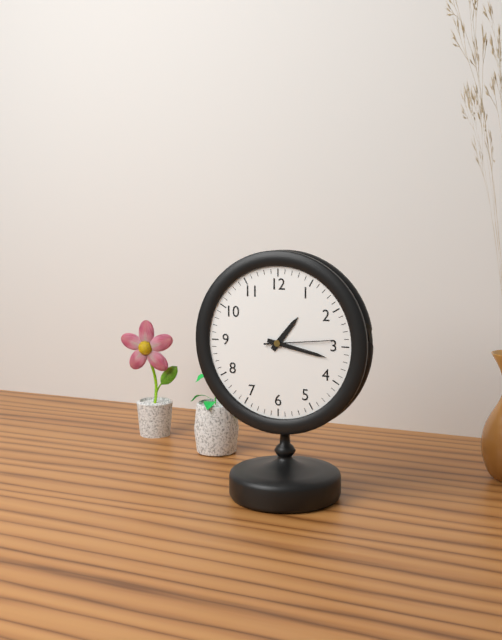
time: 1:17:14
